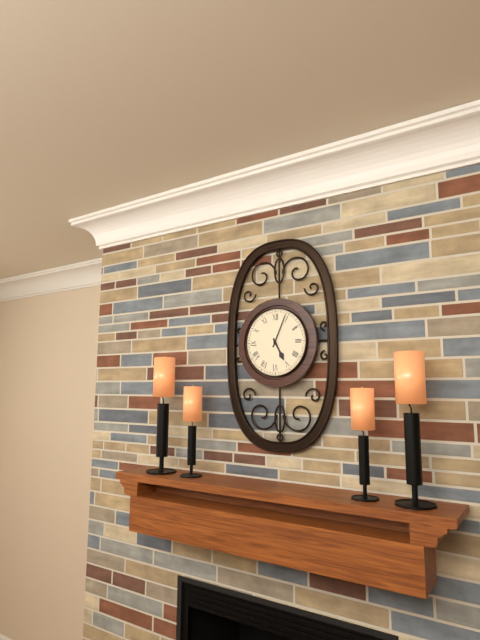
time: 5:04
